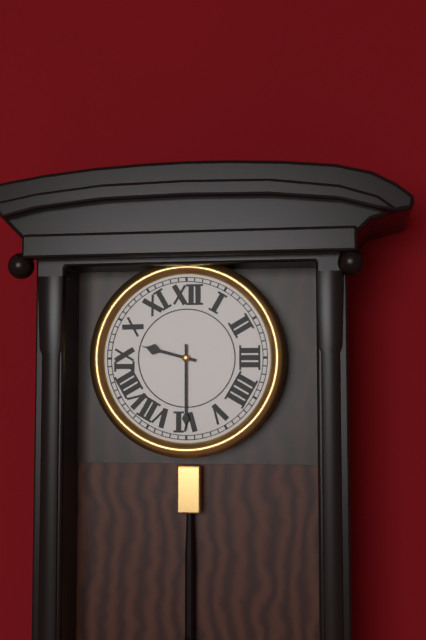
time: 9:30
